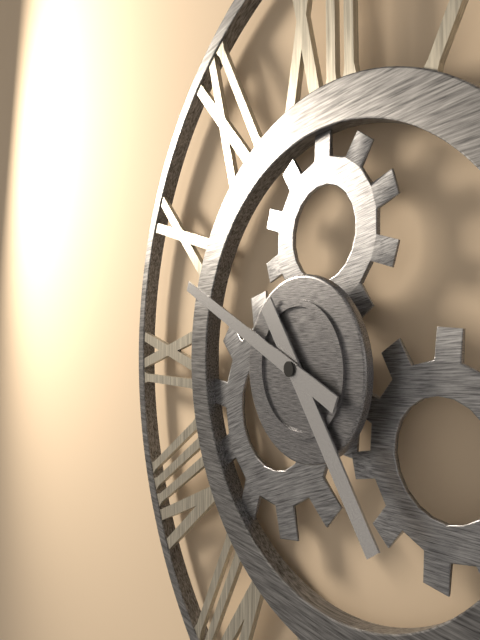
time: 4:49
